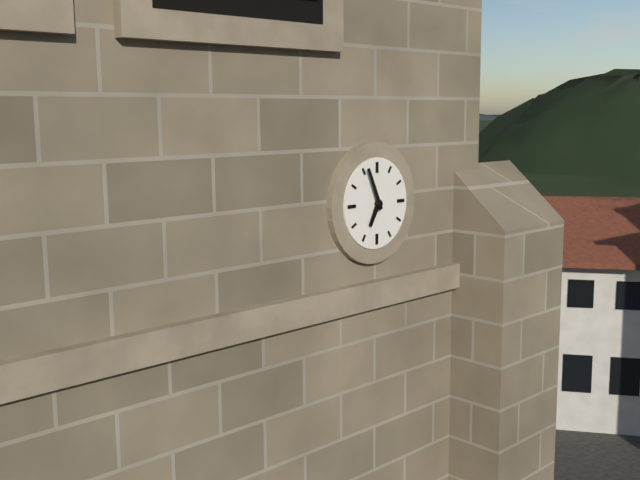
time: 6:56
